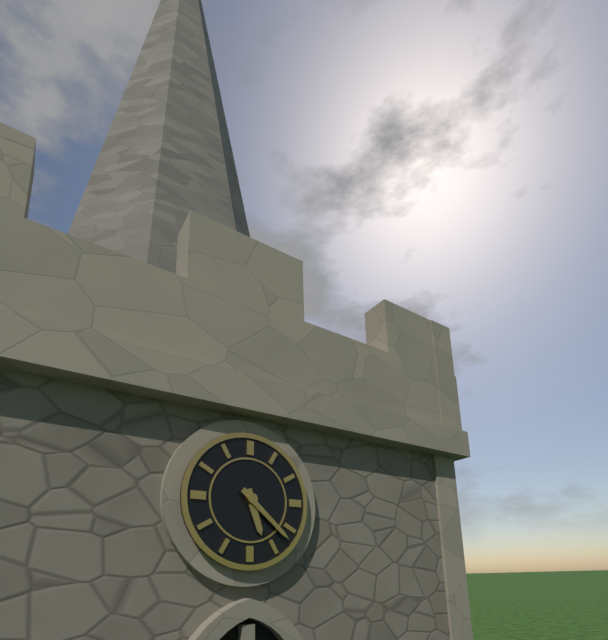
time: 5:22
